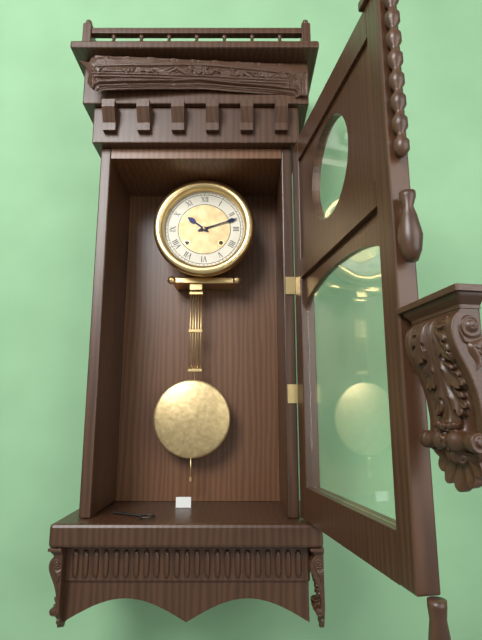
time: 10:12
